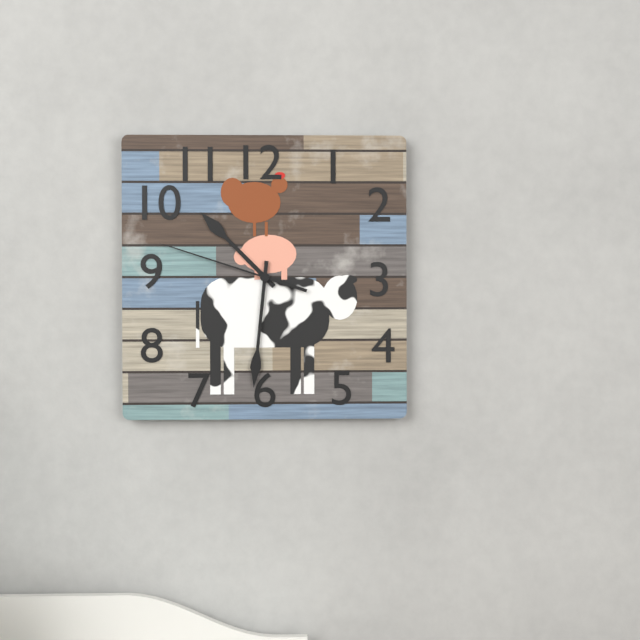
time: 10:31:48
